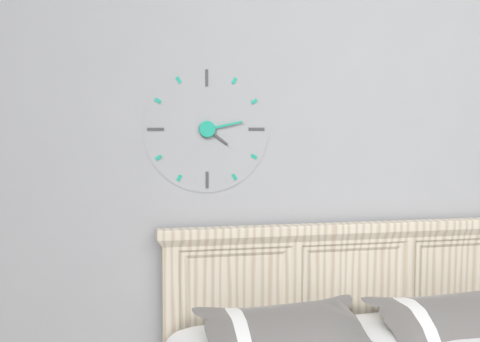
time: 4:13
